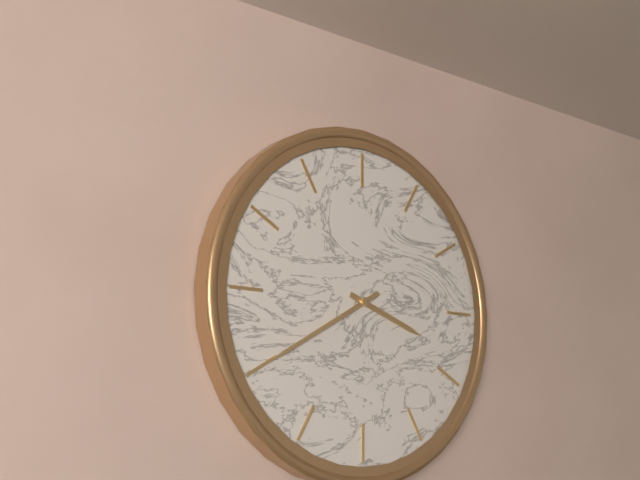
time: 3:40
